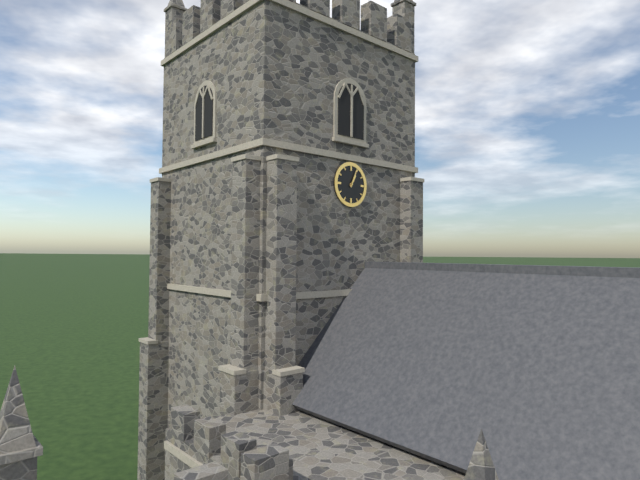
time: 1:04
